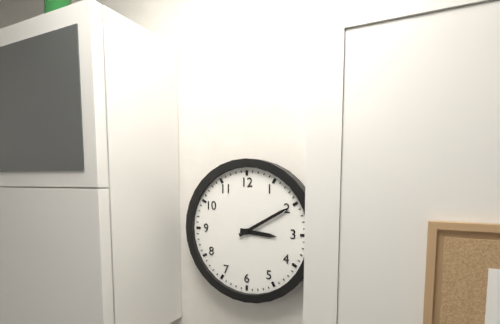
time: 3:10
